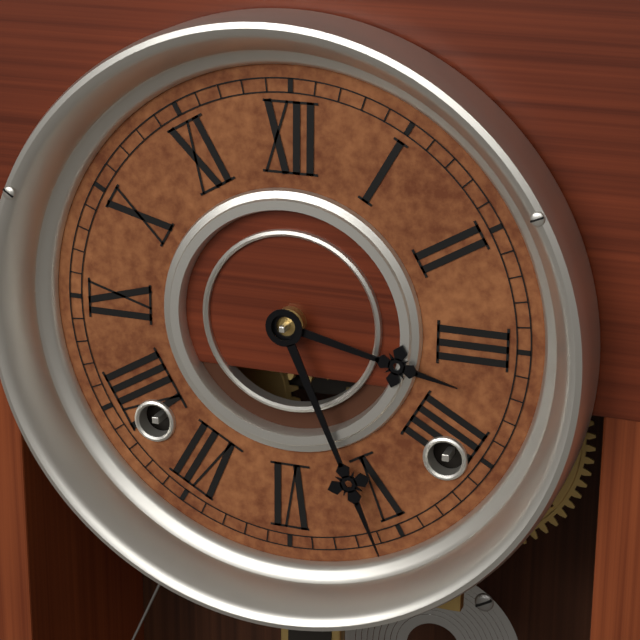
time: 3:26
